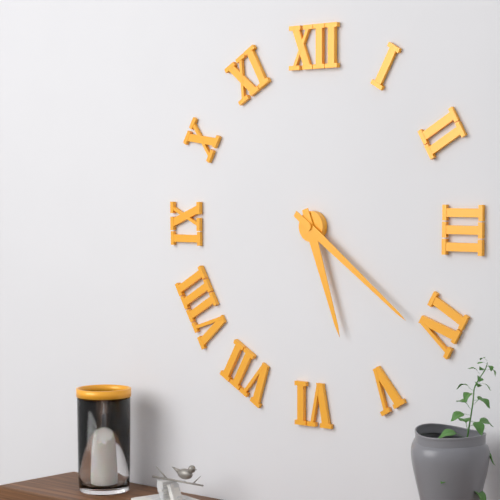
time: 5:21
